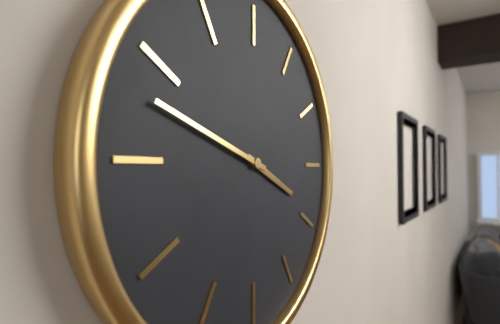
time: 3:48
